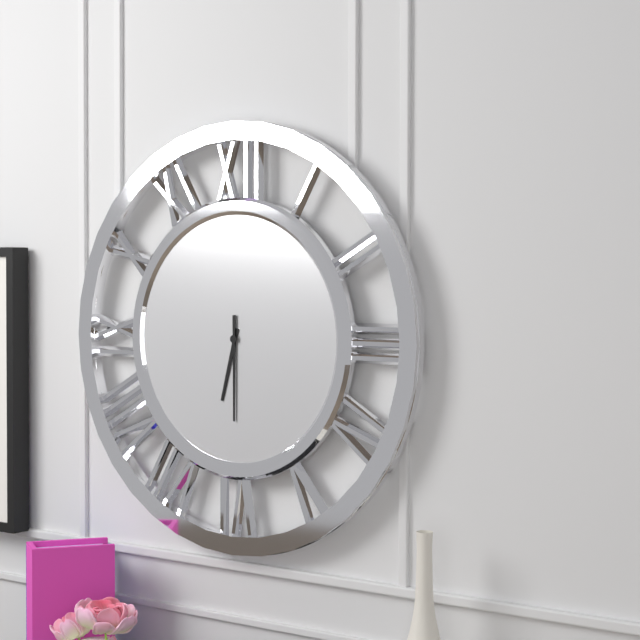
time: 6:30
